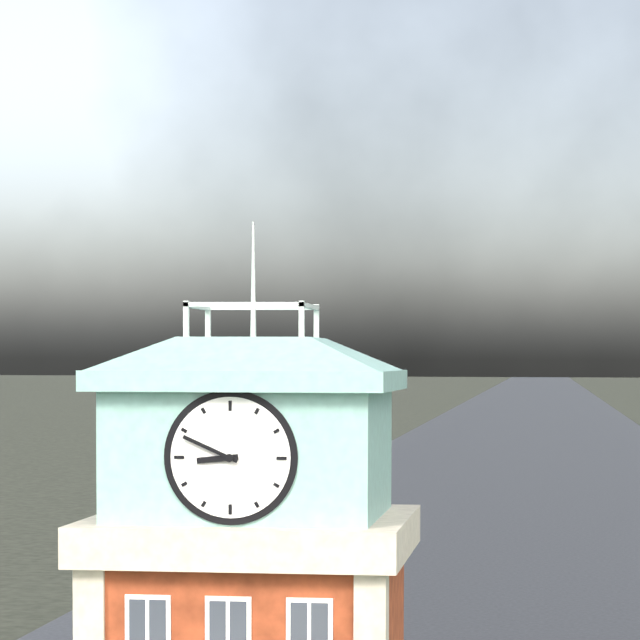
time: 8:49
